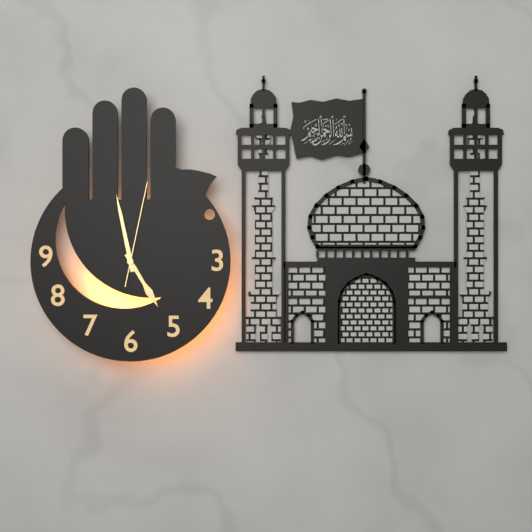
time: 4:58:02
